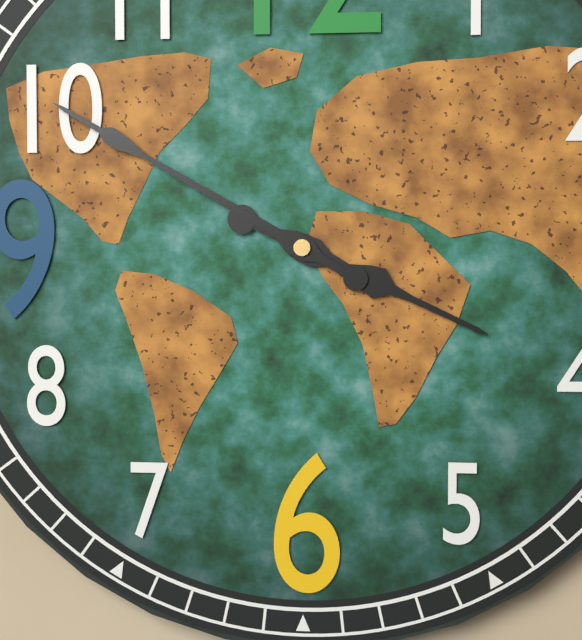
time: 3:50
